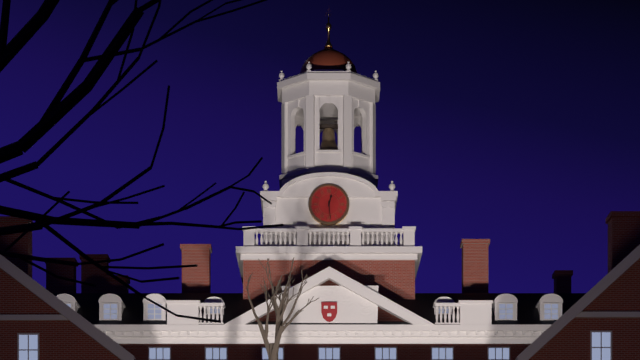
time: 12:29
